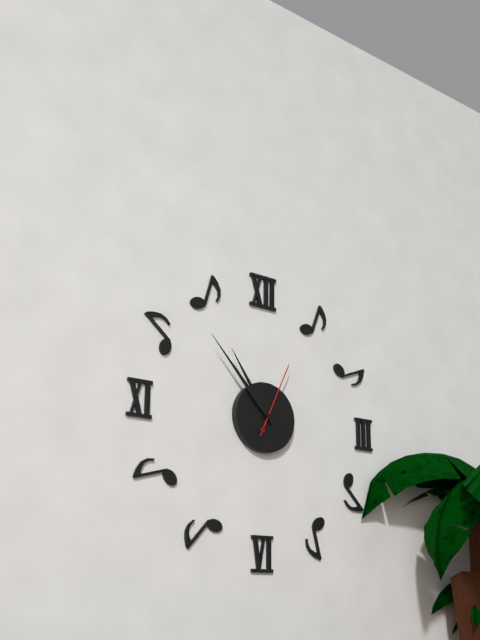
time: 10:53:04
